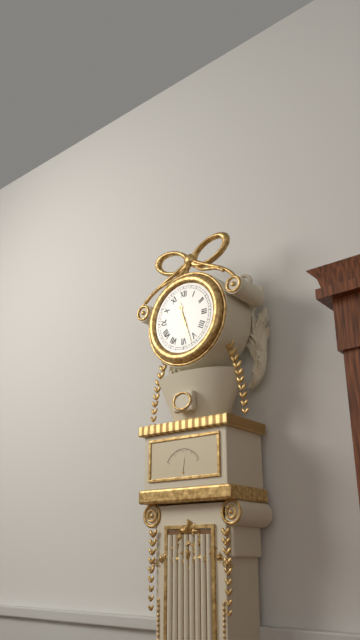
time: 11:27
